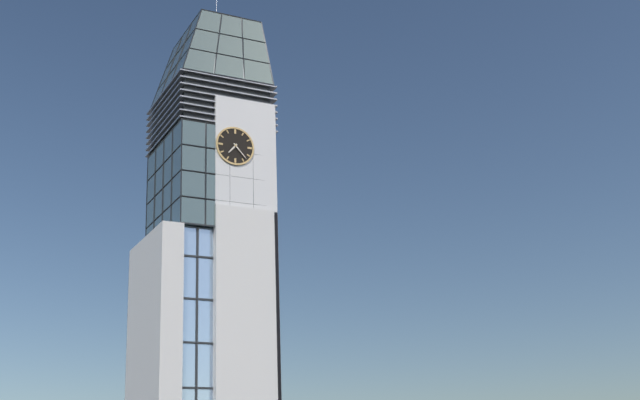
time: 7:23
